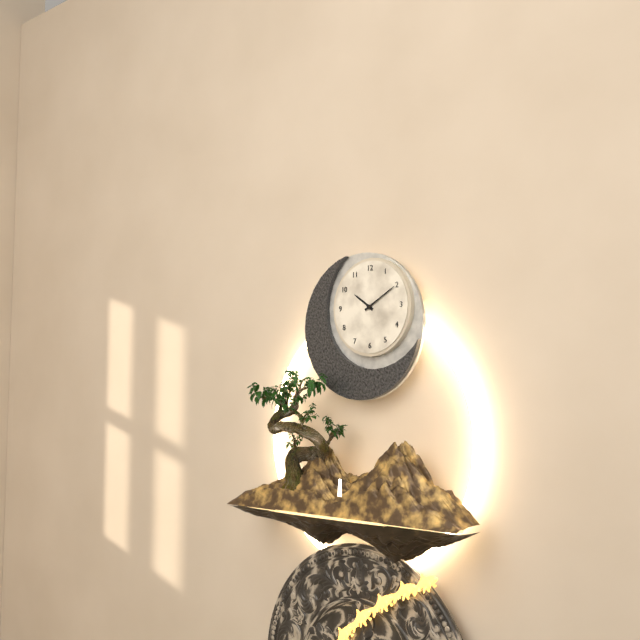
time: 10:10
